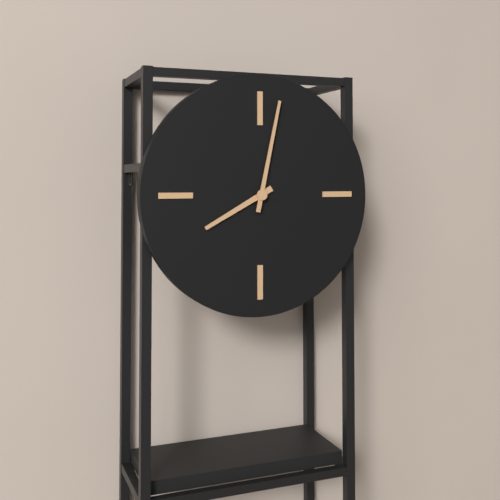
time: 8:02
